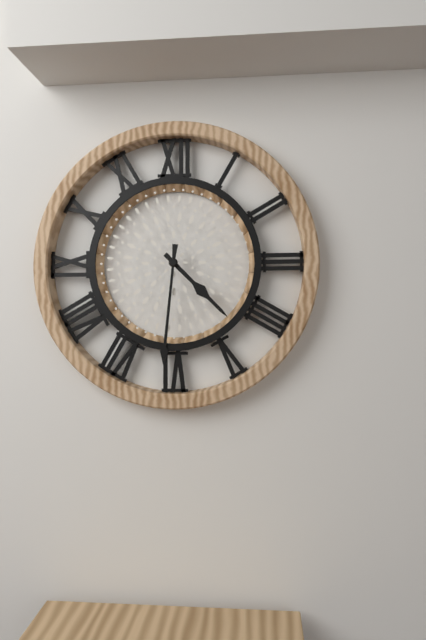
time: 4:31
